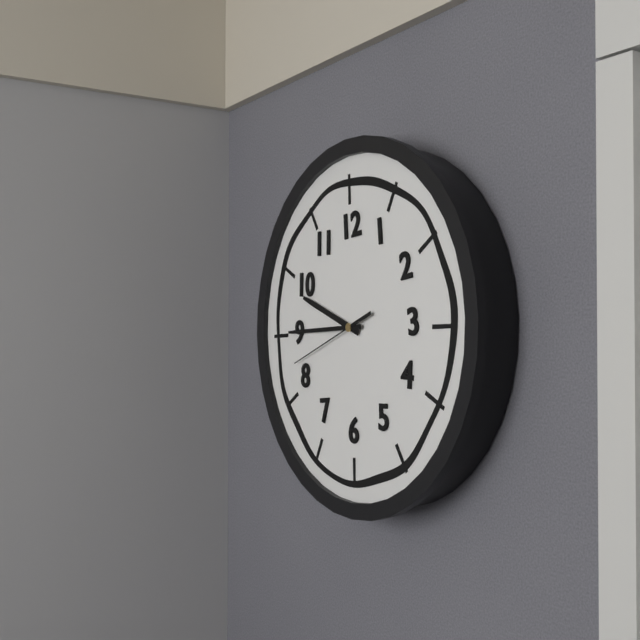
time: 9:45:42
